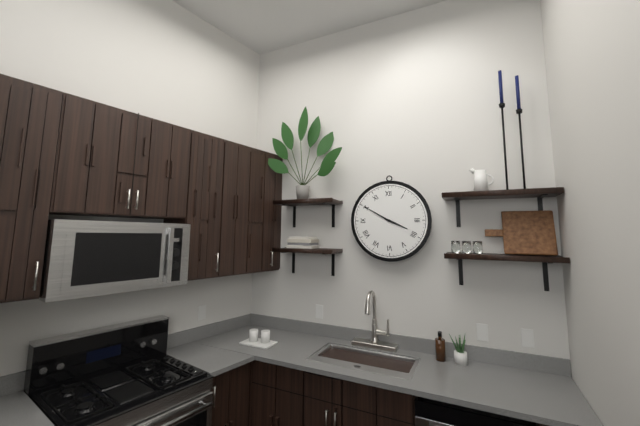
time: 3:50
